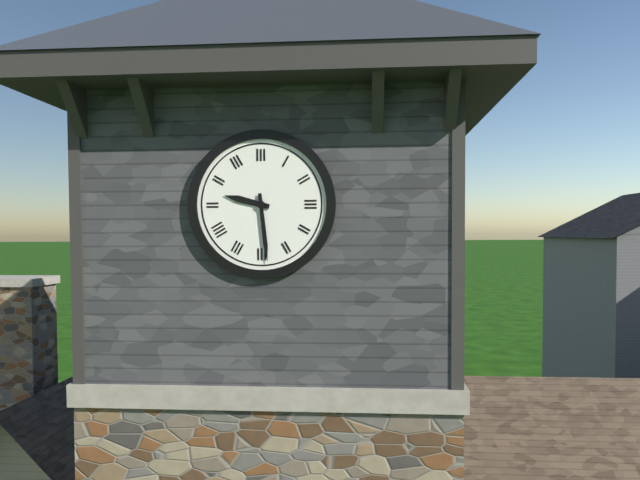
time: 9:29
